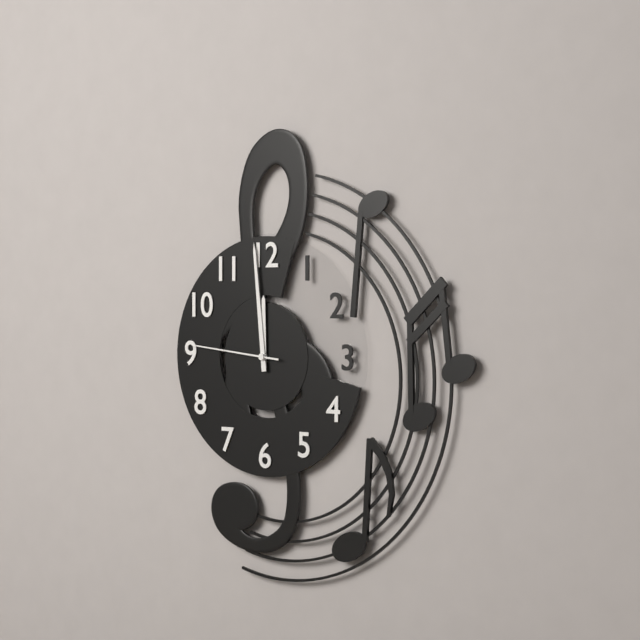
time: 11:59:46
